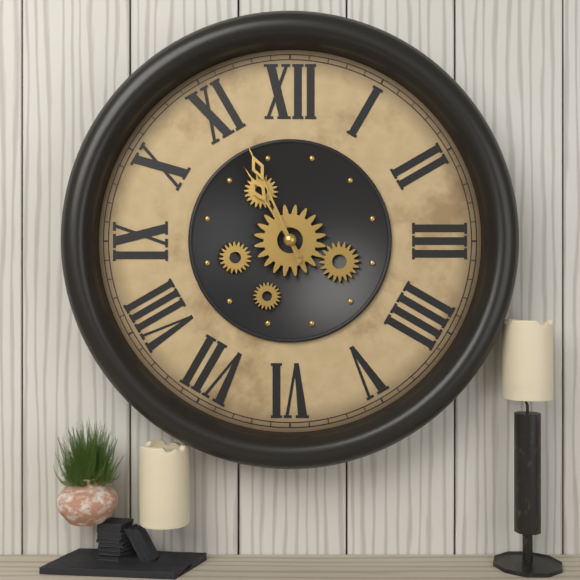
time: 10:56
